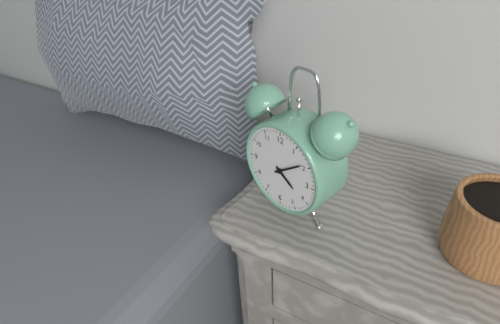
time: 4:09
